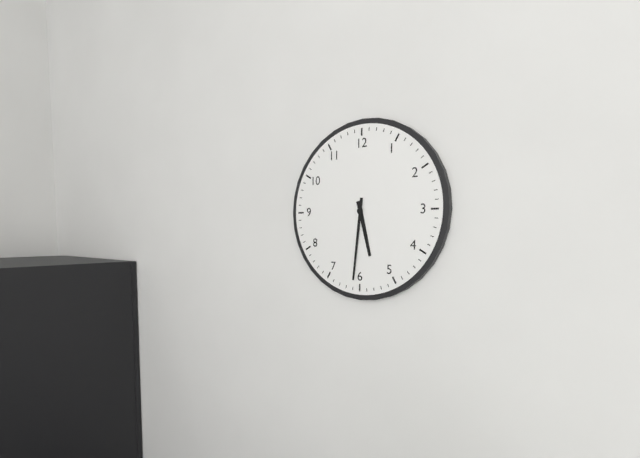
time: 5:31
